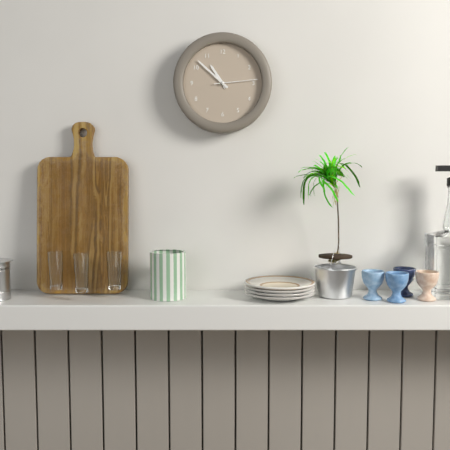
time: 10:52
